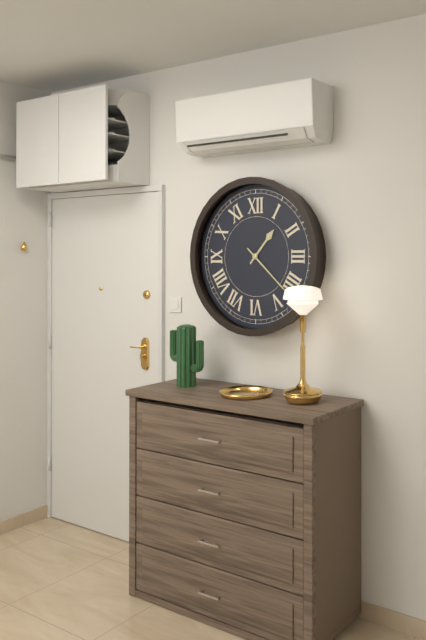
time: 1:22
